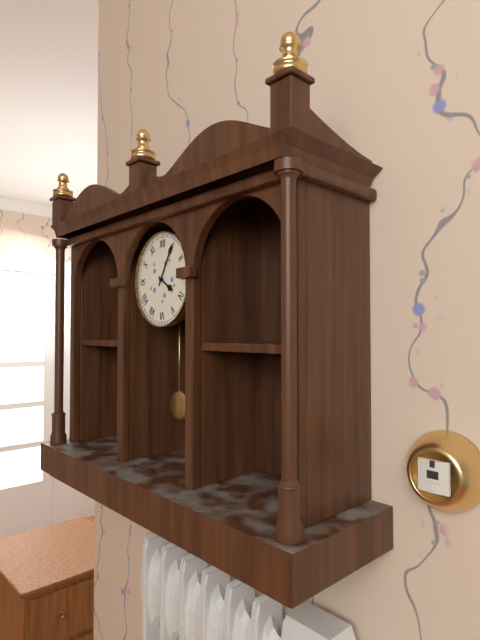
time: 4:05
